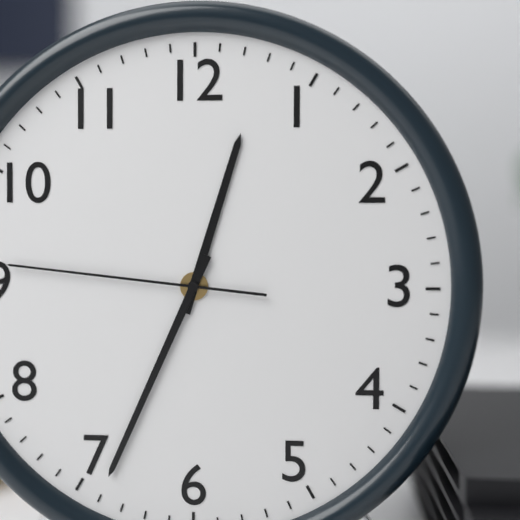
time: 12:34:46
